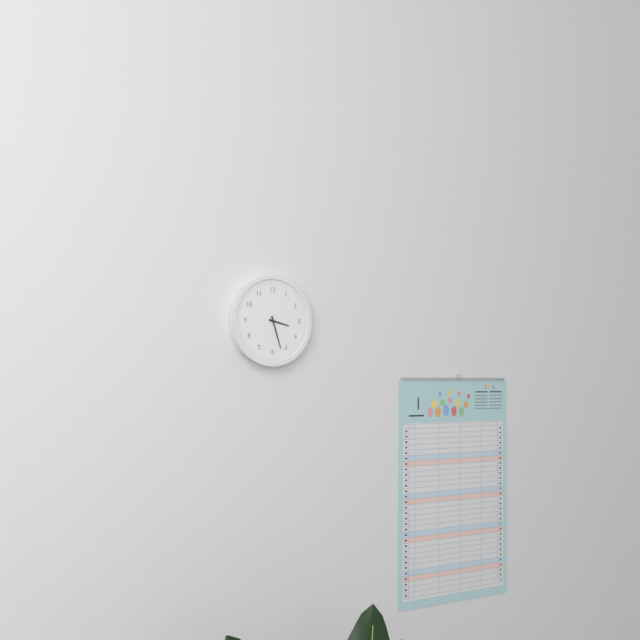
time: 3:27
